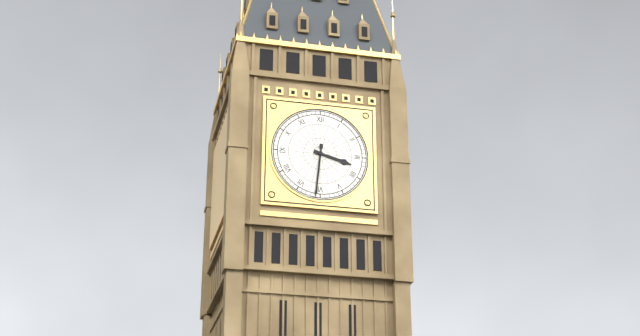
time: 3:31
